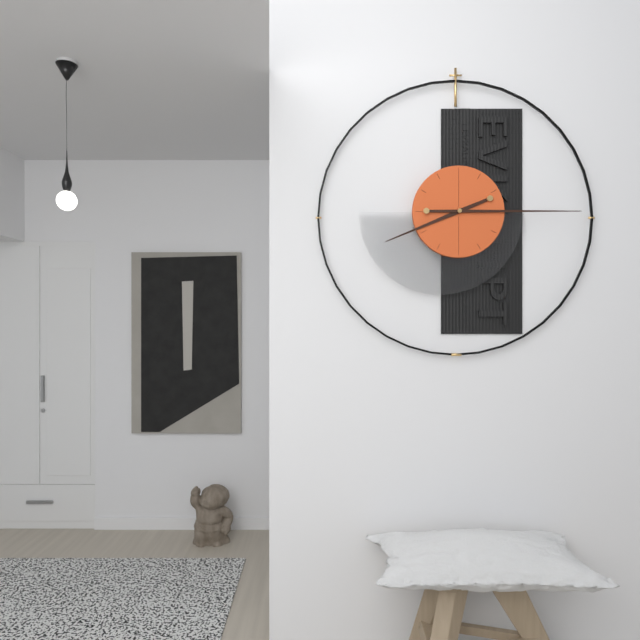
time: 8:15
